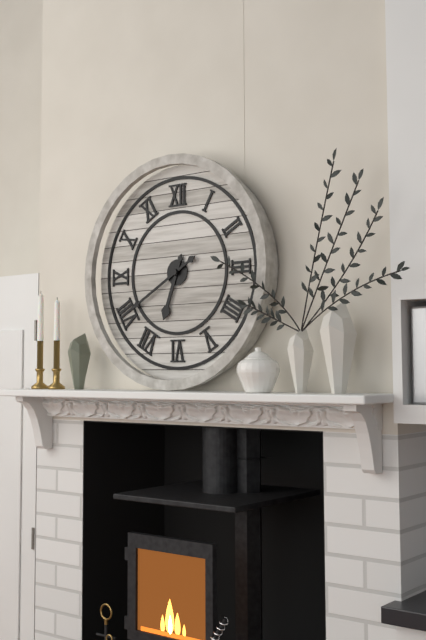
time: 6:40
